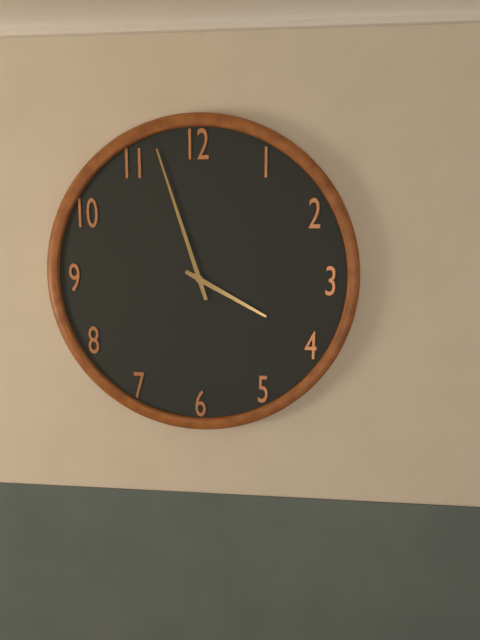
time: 3:57
